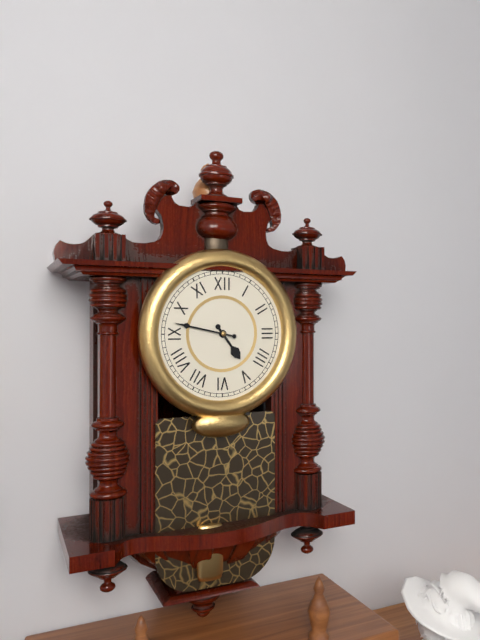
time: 4:47
